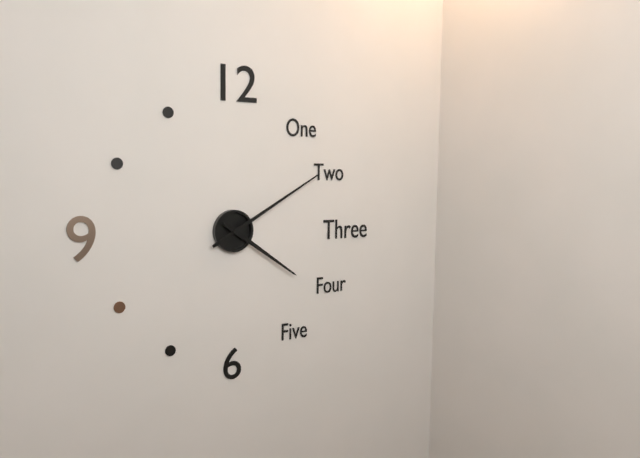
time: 4:10
